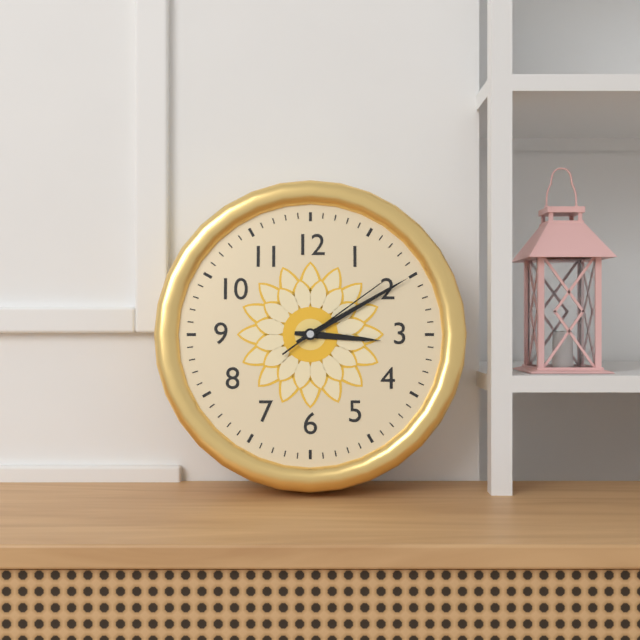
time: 3:10:09
